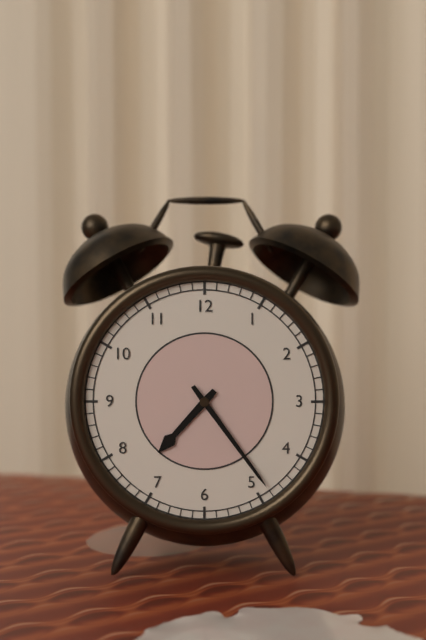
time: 7:24
